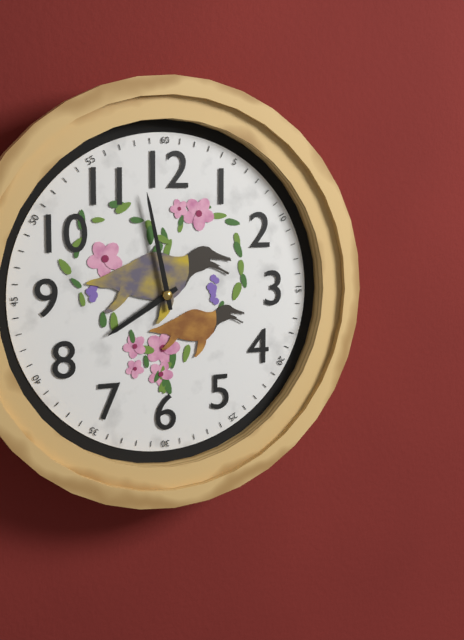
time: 7:58
